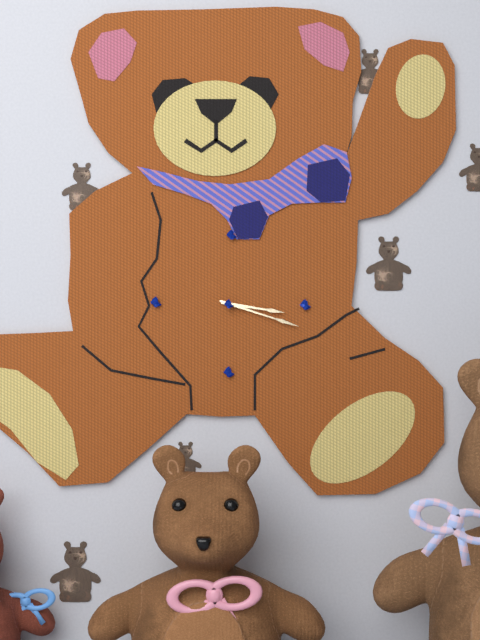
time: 3:18
